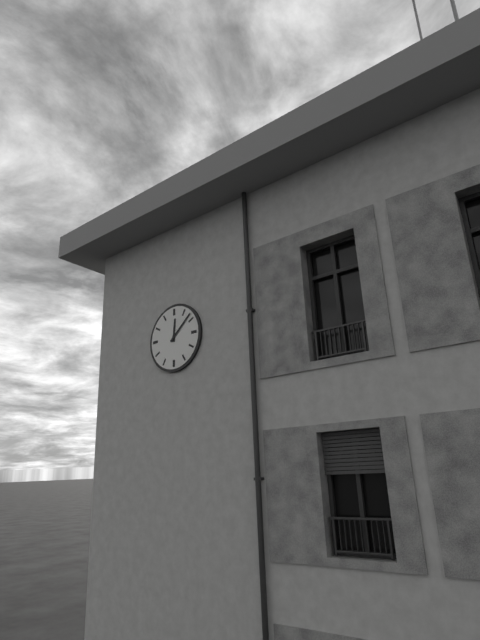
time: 12:08
